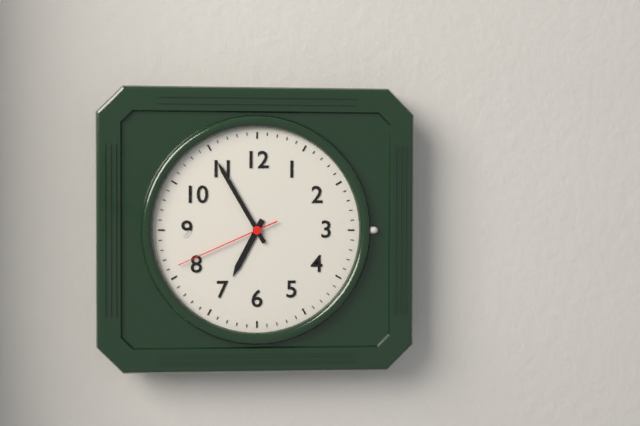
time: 6:55:41
